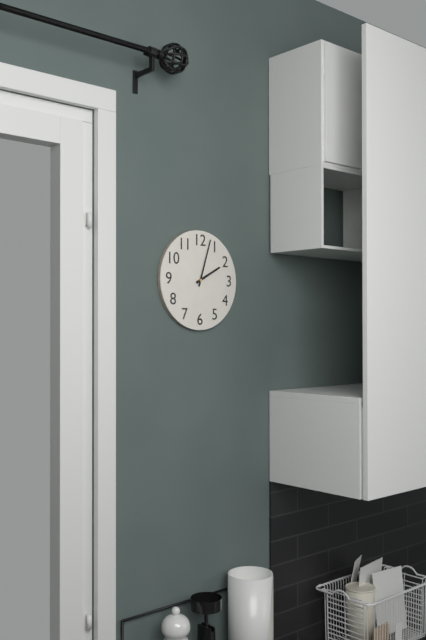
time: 2:03
